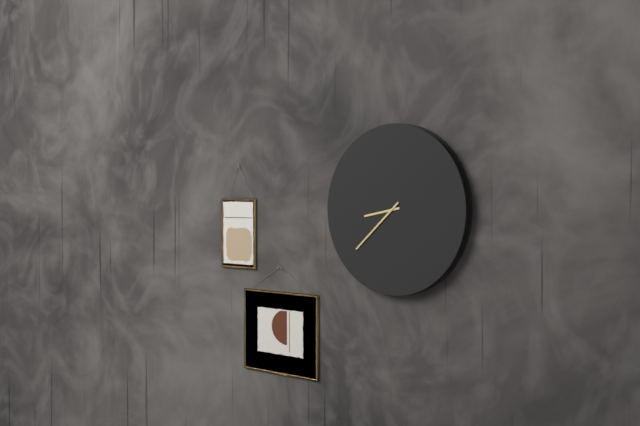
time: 8:38
